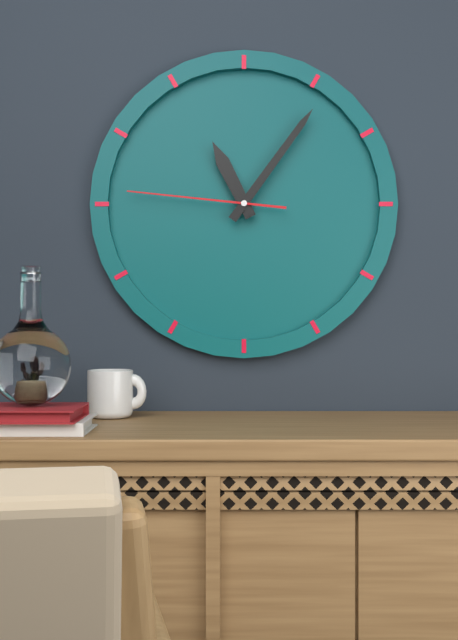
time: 11:06:46
